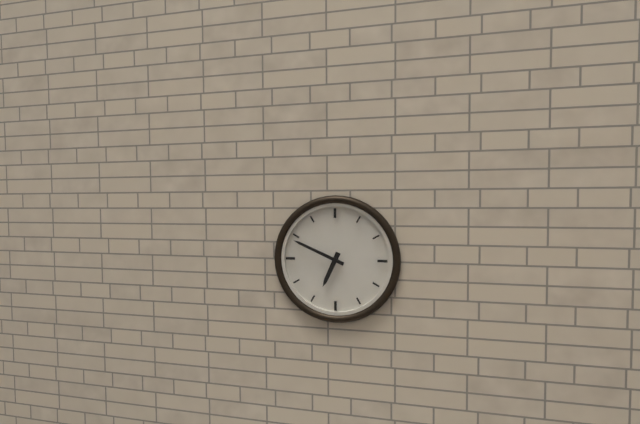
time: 6:49
